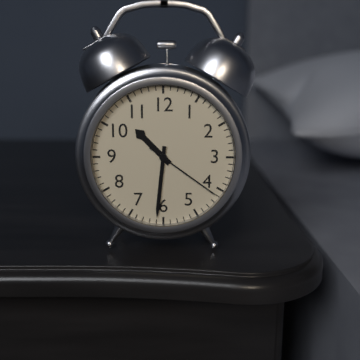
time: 10:31:21
